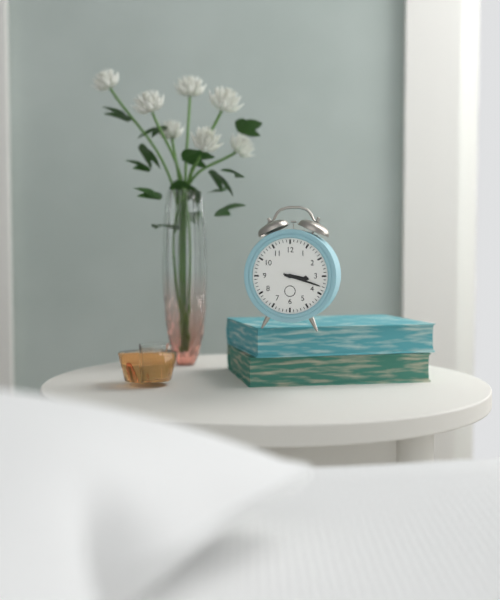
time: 3:18
